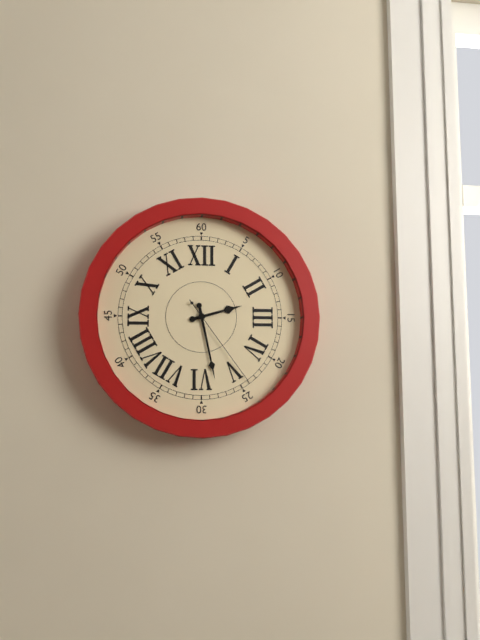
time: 2:28:24
